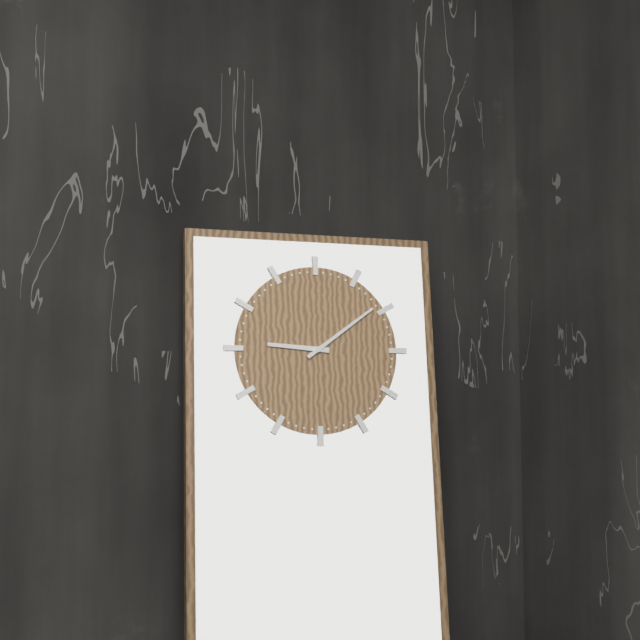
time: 9:09
